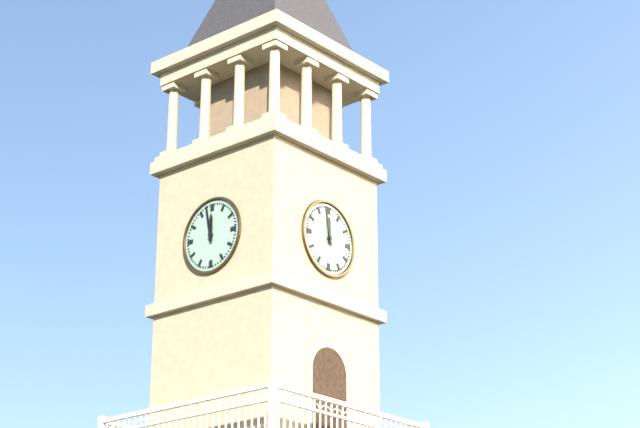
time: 11:58
